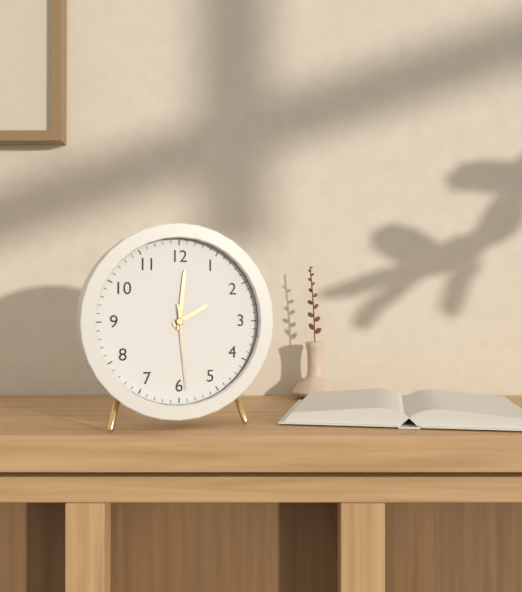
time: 2:01:29
